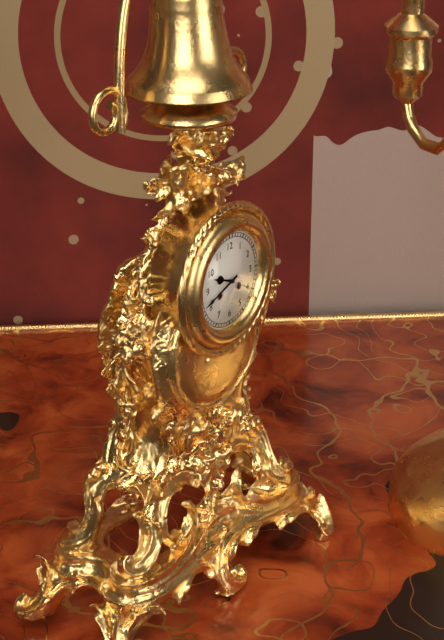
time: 9:42
